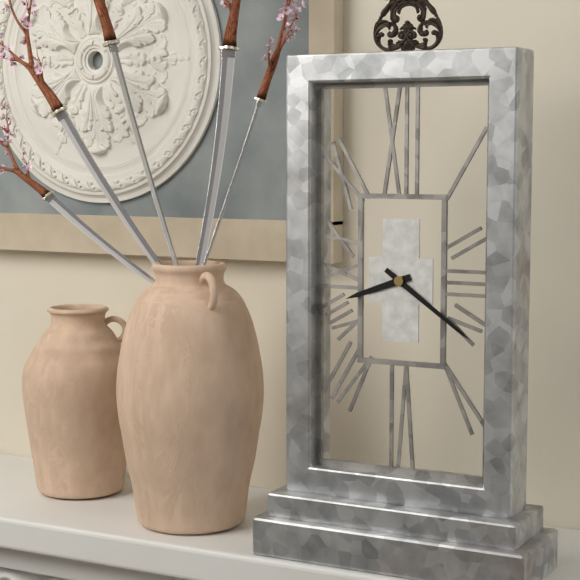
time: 8:21
